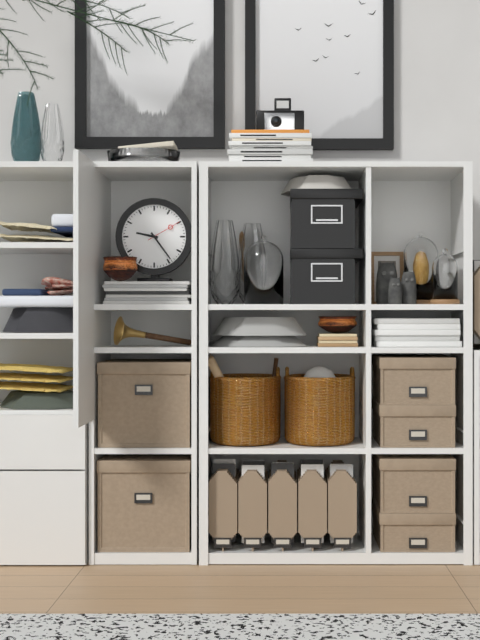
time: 9:24
